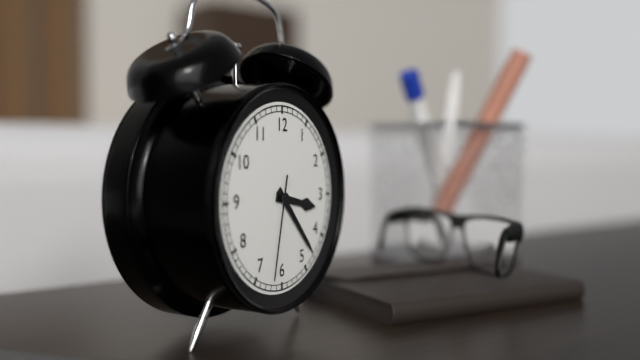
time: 3:23:32
